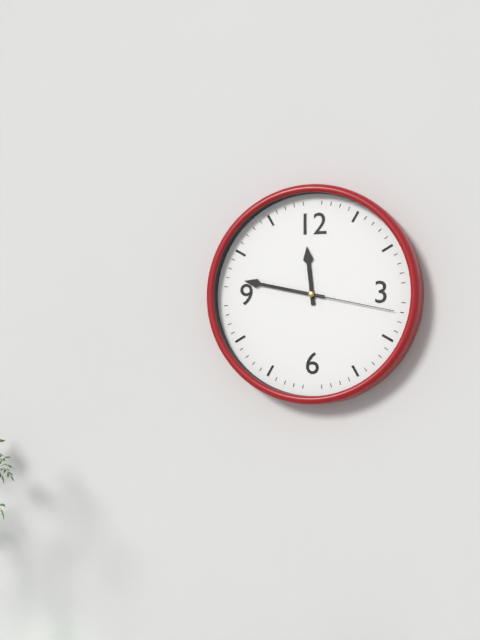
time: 11:47:17
